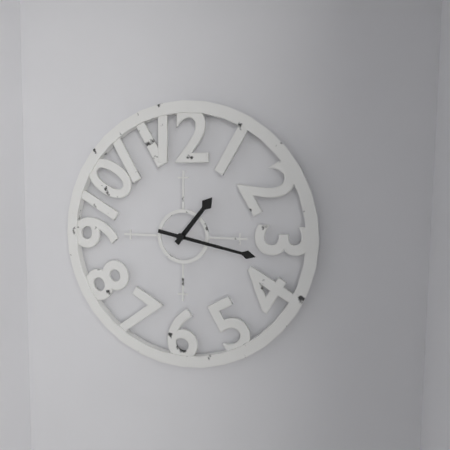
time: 1:17
